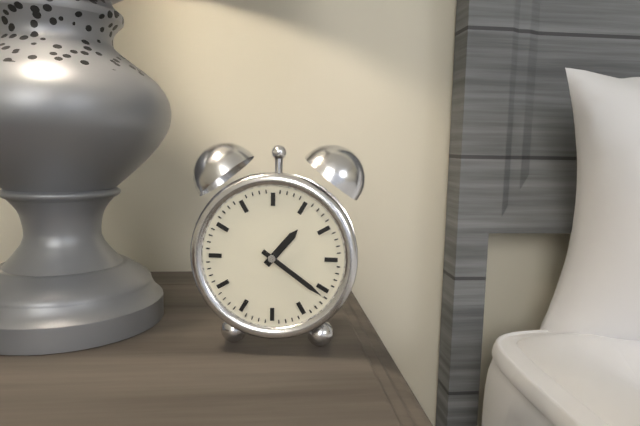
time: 1:21
